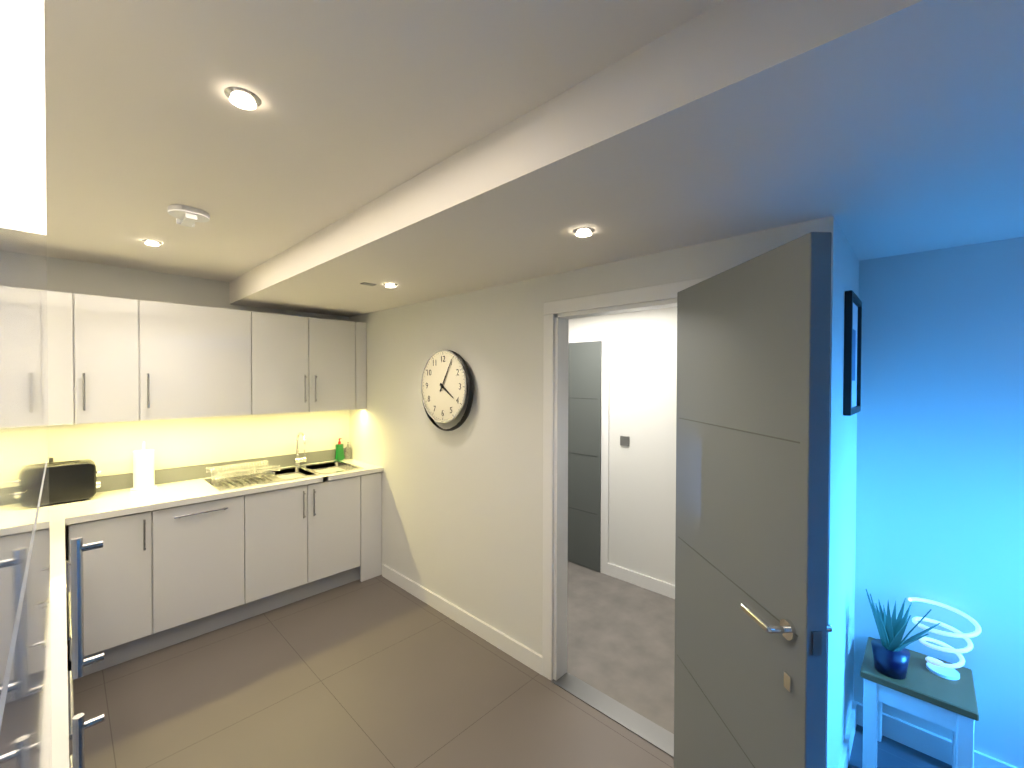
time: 4:05
